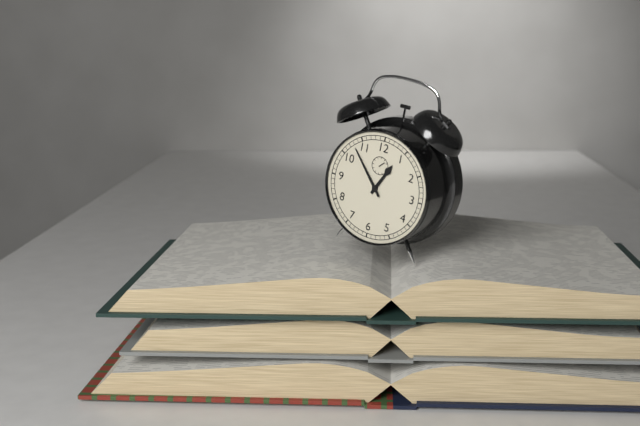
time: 12:53
